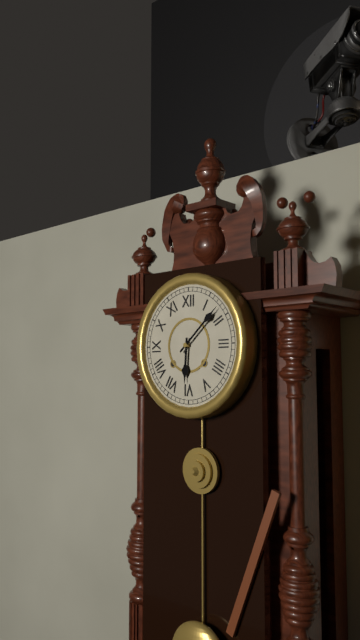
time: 6:08
